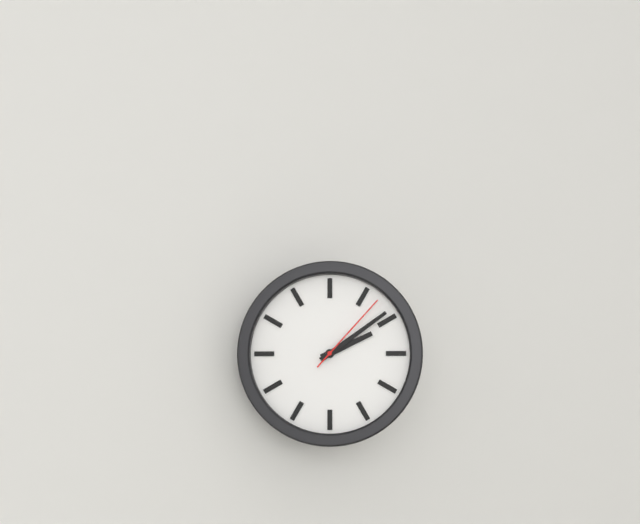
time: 2:09:07
